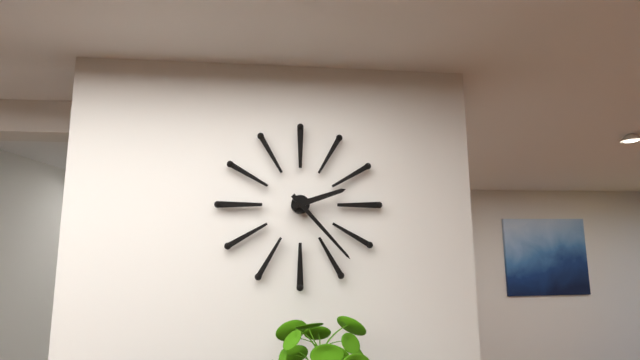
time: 2:23
